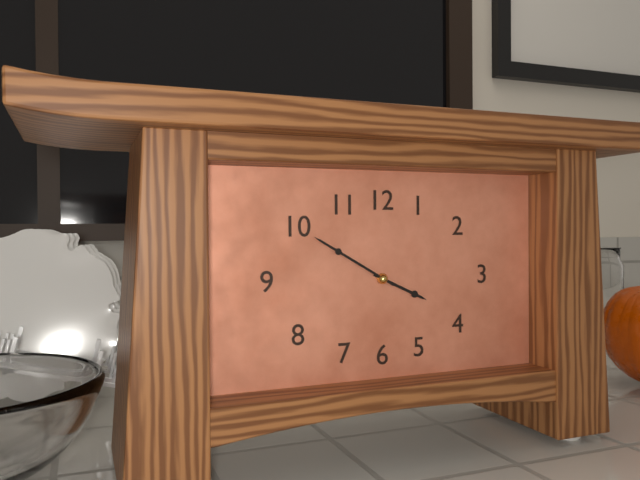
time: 3:50
